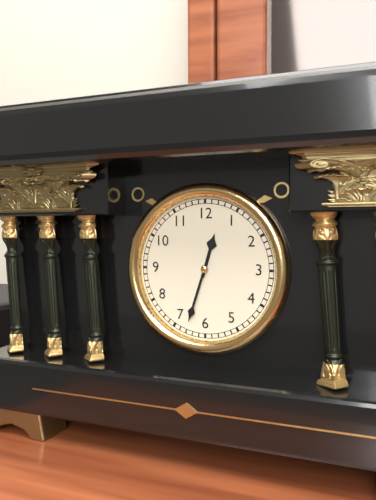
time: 12:33
